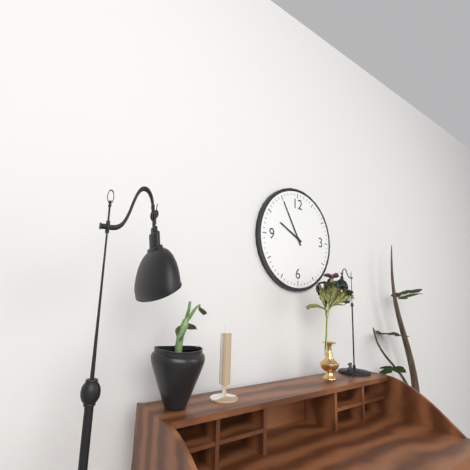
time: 9:55
